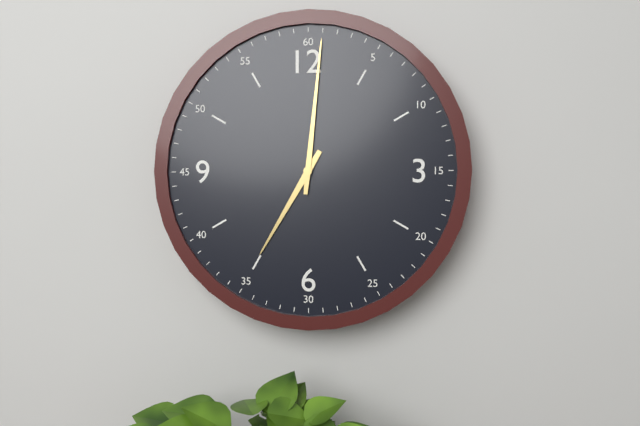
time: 7:01
